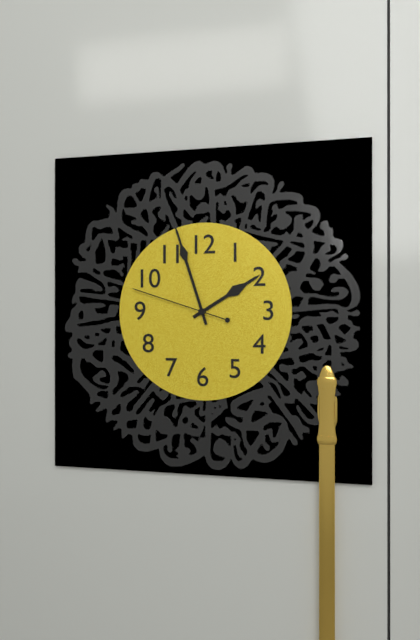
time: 1:57:48
